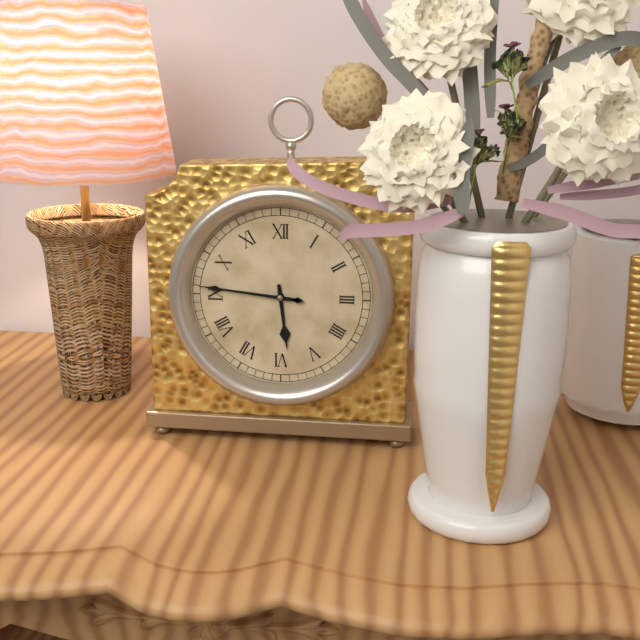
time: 5:46
